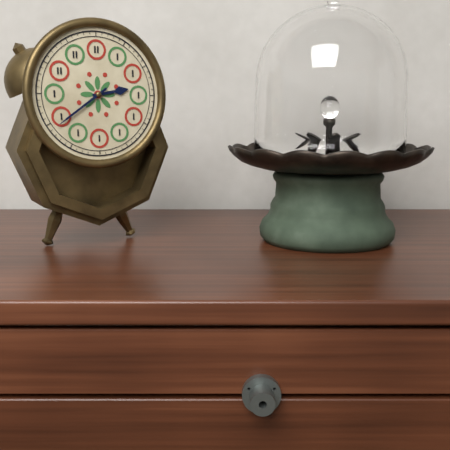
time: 2:39
